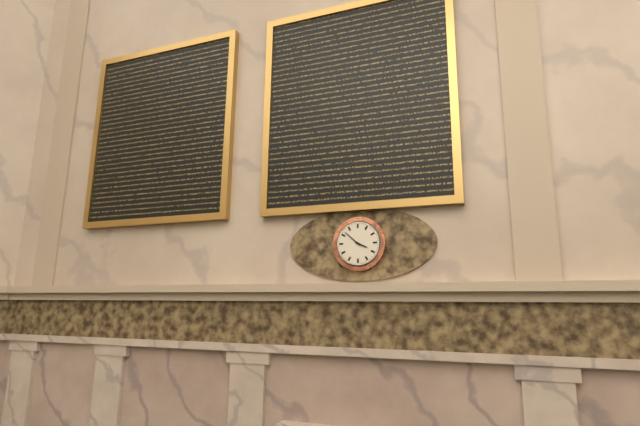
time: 3:52
